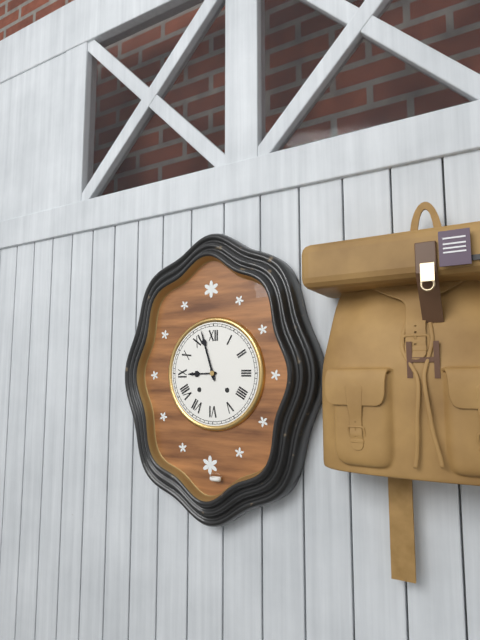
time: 8:57
